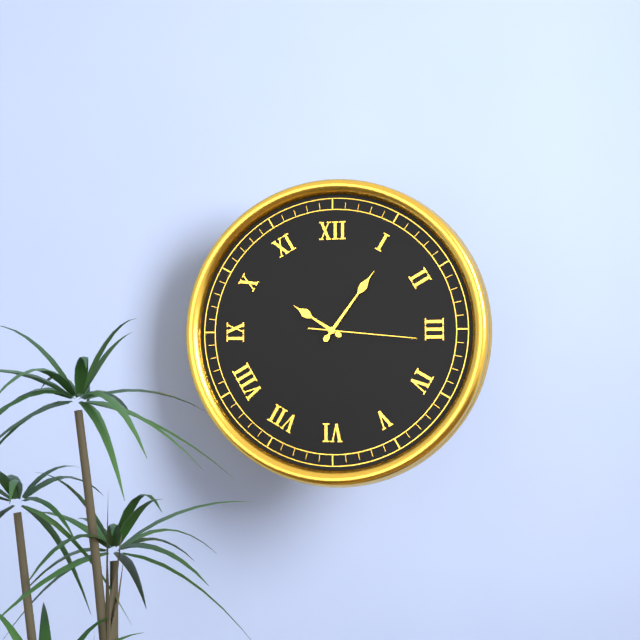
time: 10:06:16
